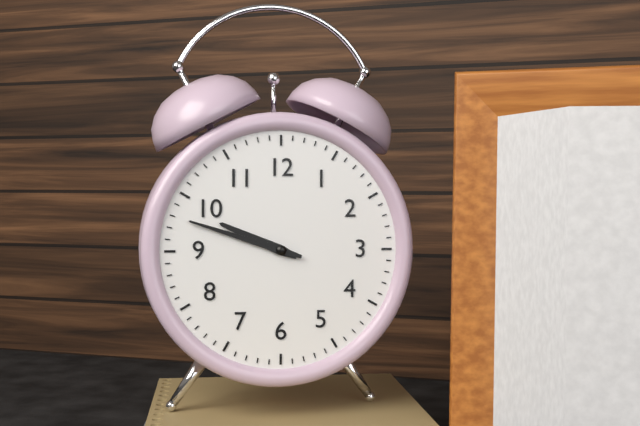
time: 9:48
